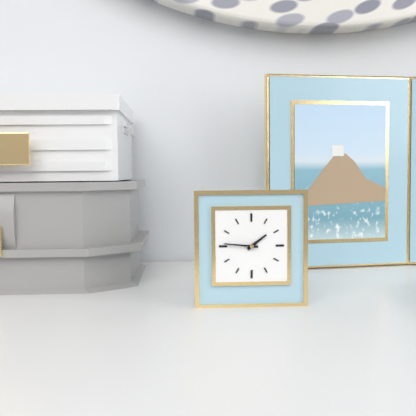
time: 1:46
